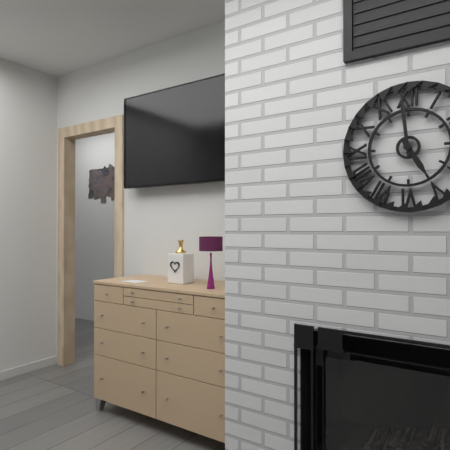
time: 4:59
